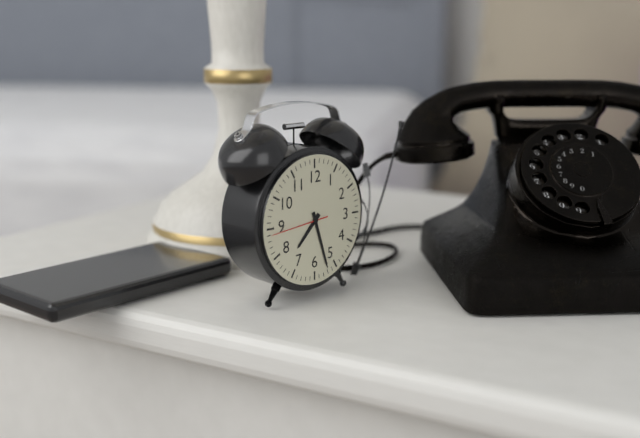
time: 7:27:44
